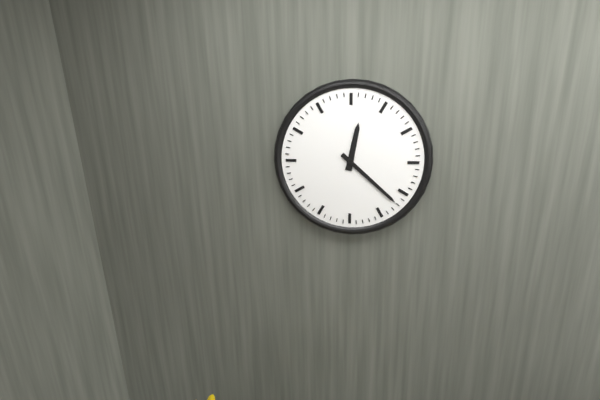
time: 12:22
